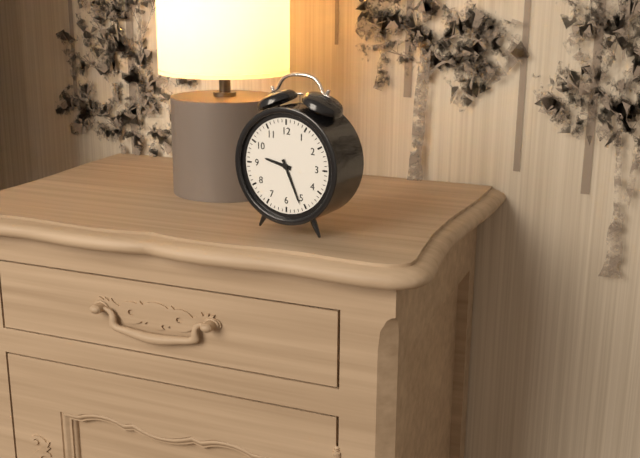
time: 9:26
